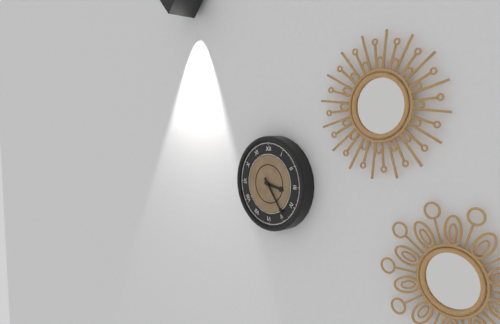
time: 3:24
